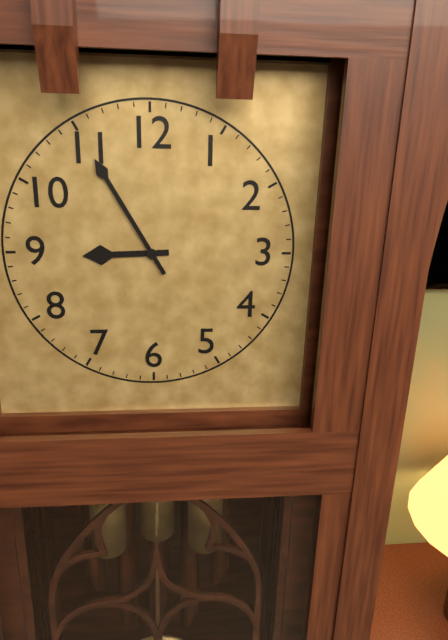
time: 8:55
